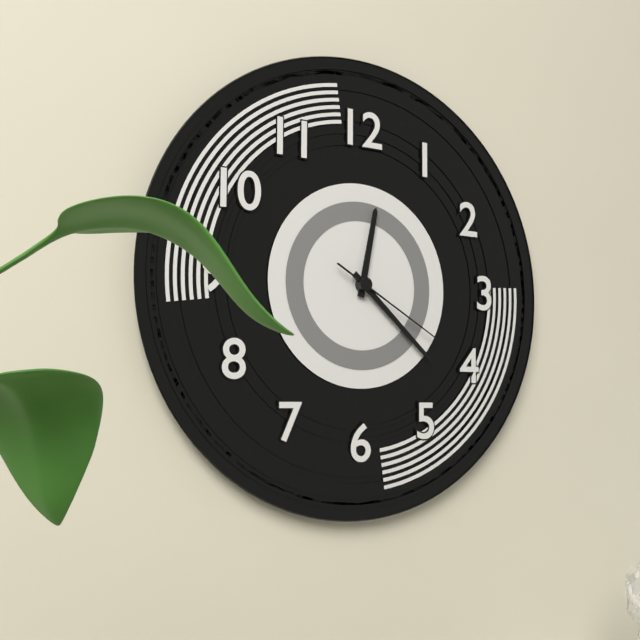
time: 12:22:20
